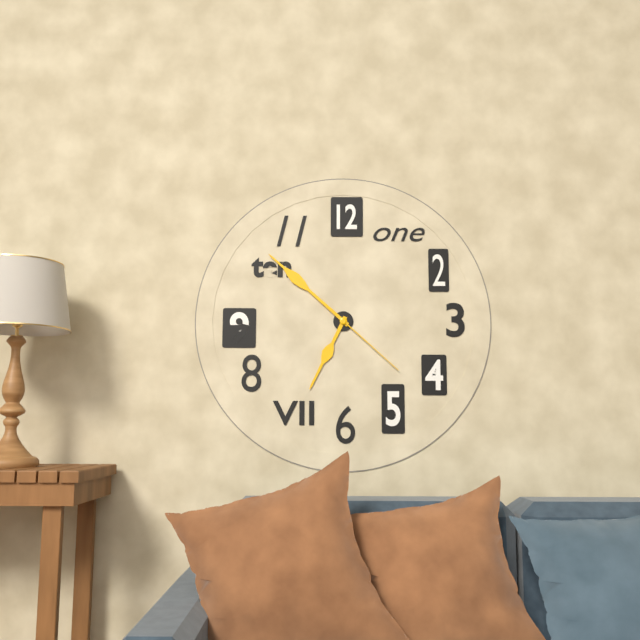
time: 6:52:22
